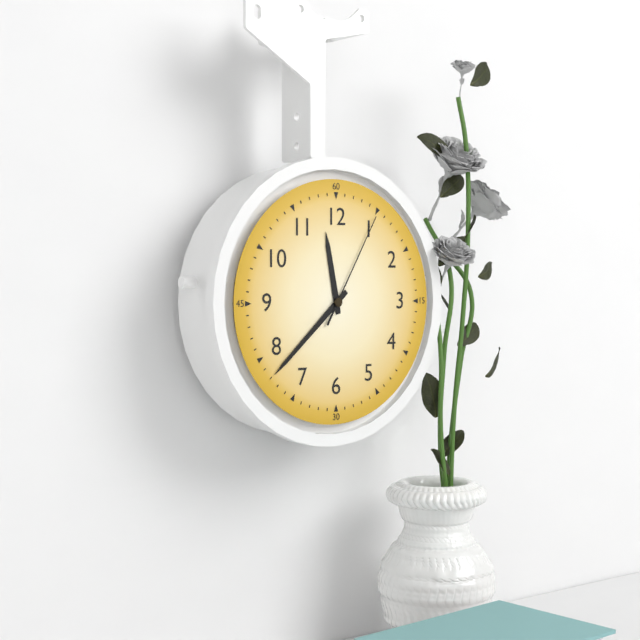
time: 11:38:05
